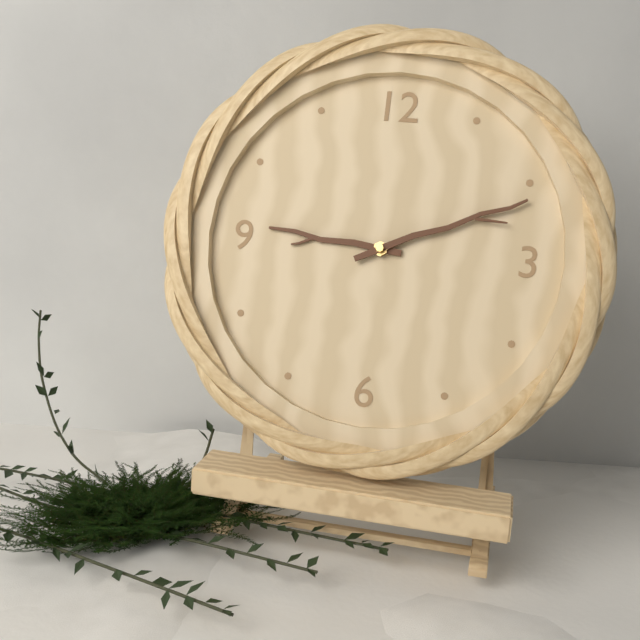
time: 9:11
